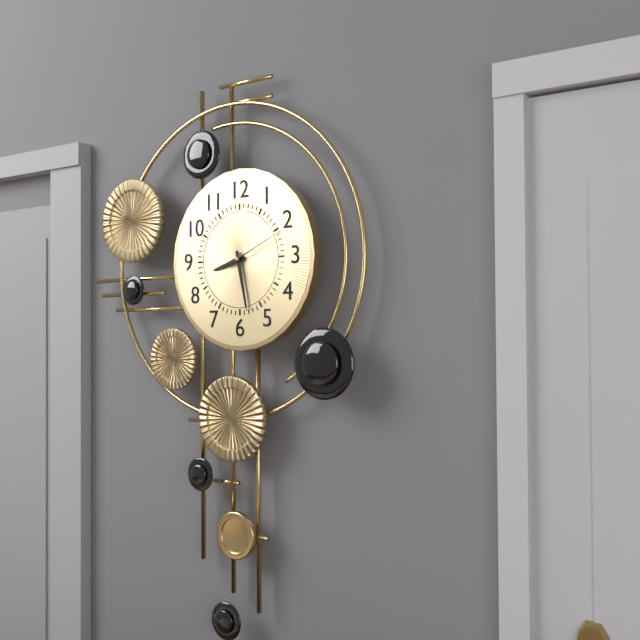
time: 8:28
